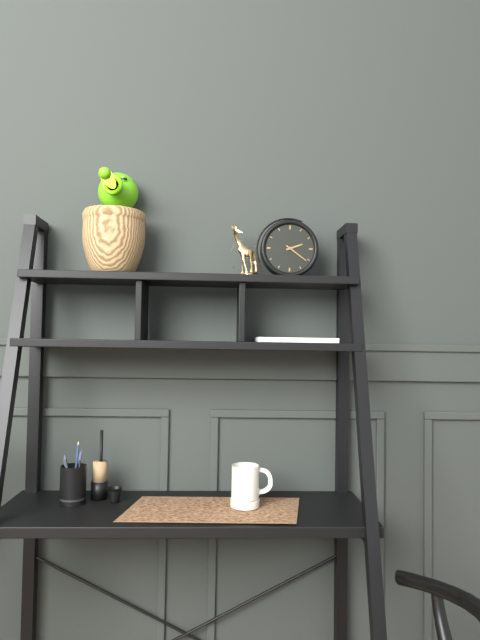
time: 2:21
